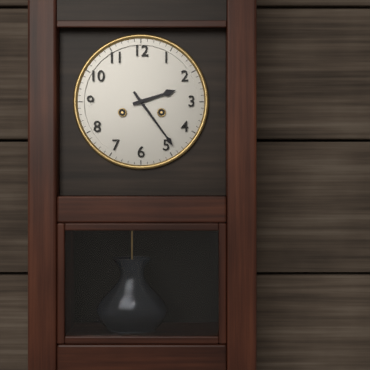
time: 2:24
